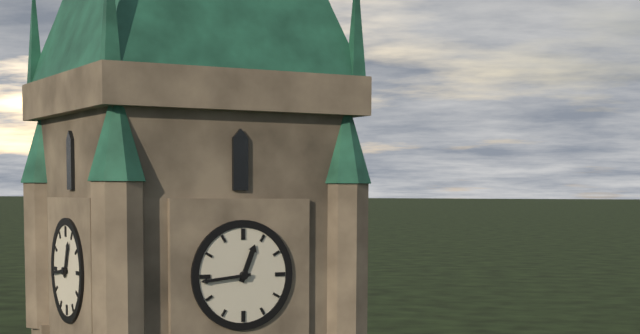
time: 12:44
